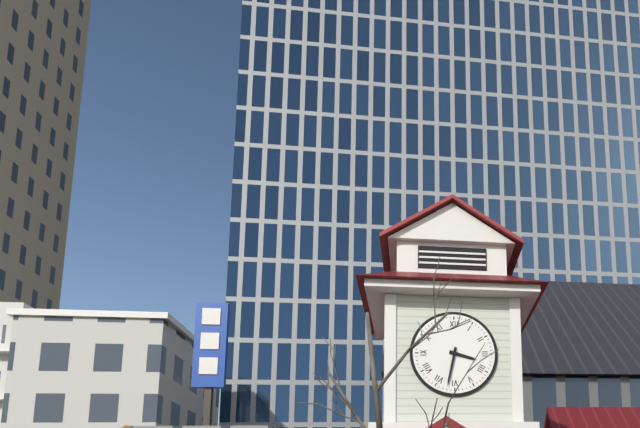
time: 3:32
